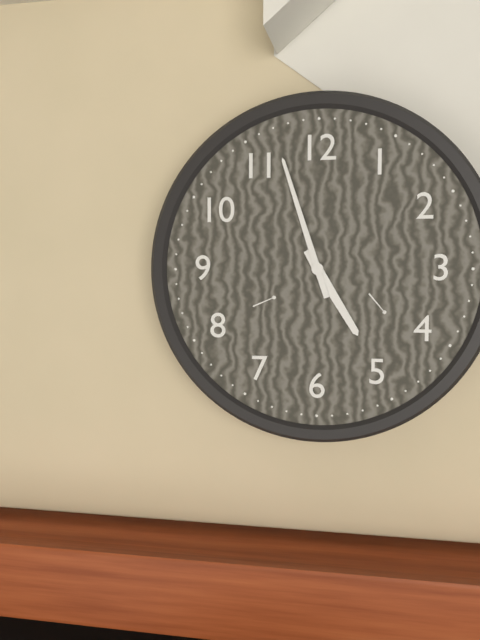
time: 4:57
